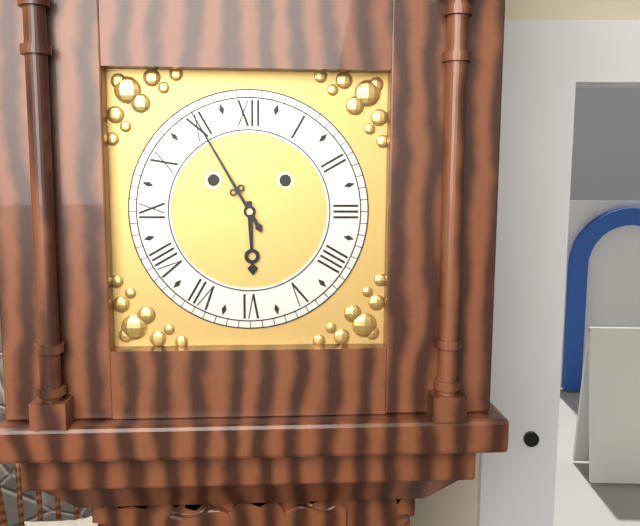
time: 5:55
